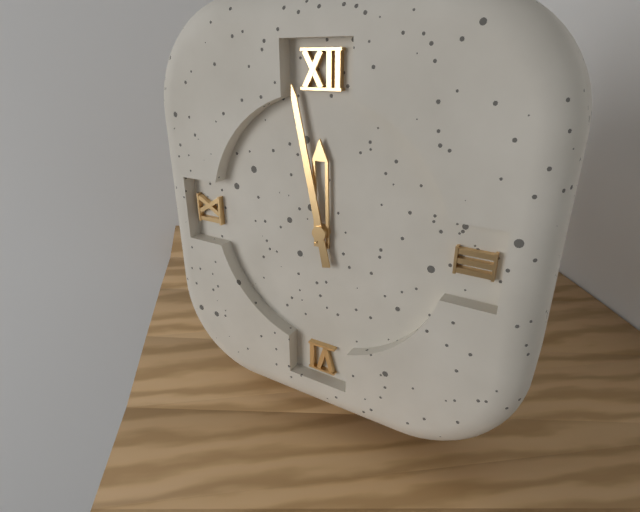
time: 11:58
